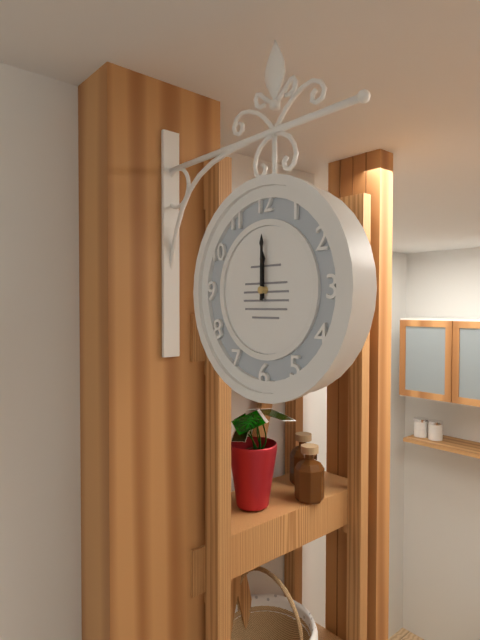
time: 12:00
